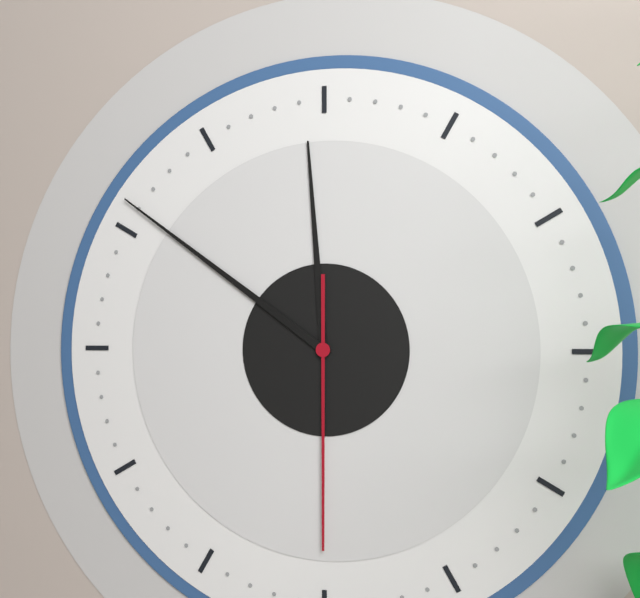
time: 11:51:30
